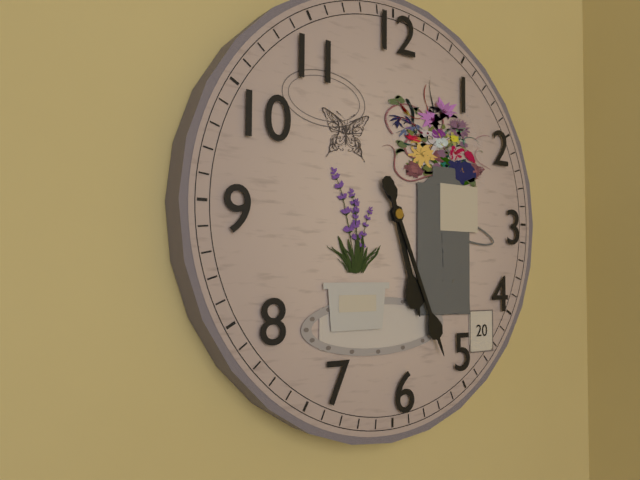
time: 5:26
